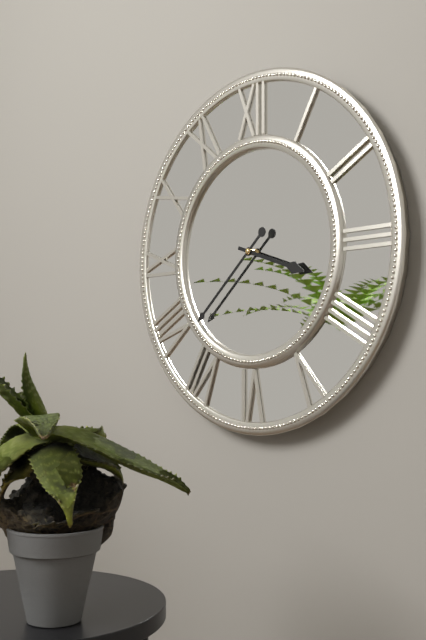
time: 3:38
